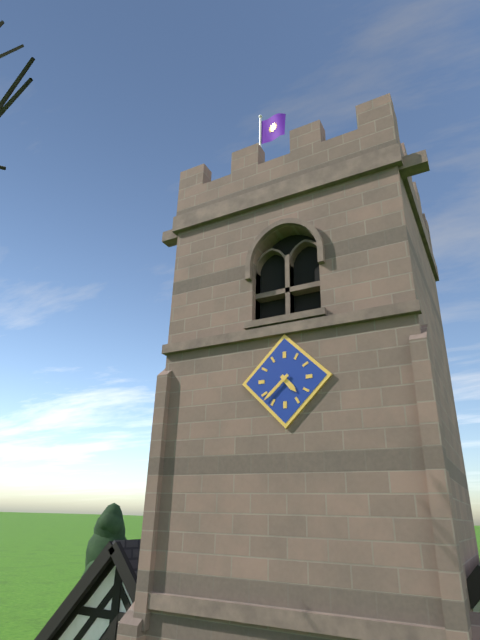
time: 4:38
